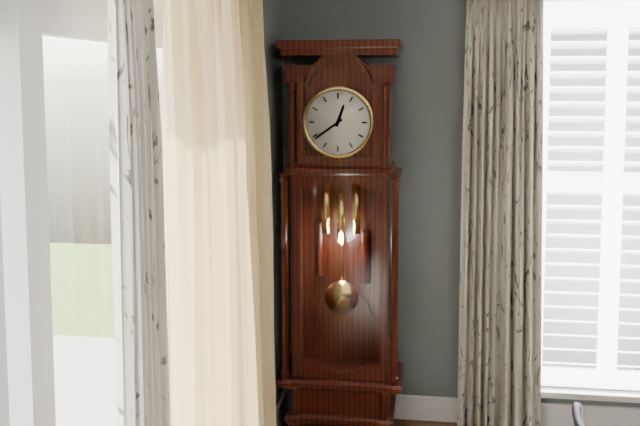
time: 12:39
